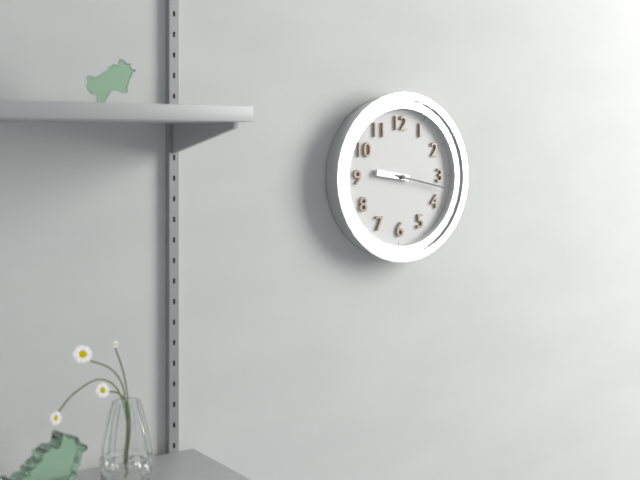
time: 9:17
